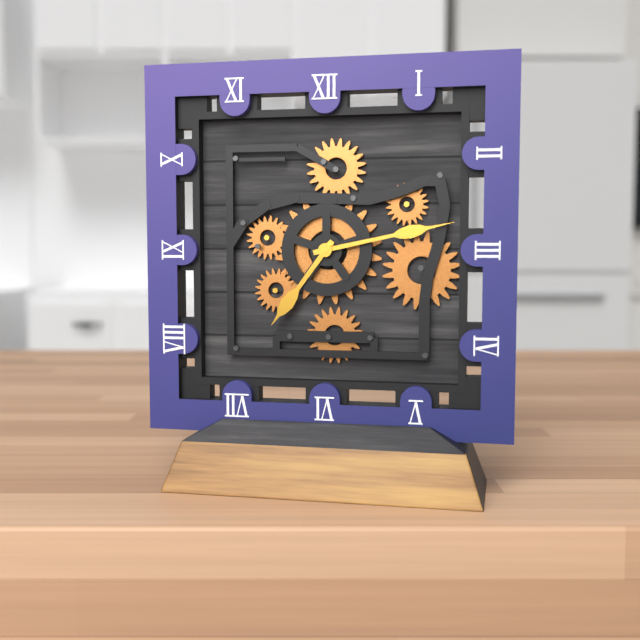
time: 7:13
